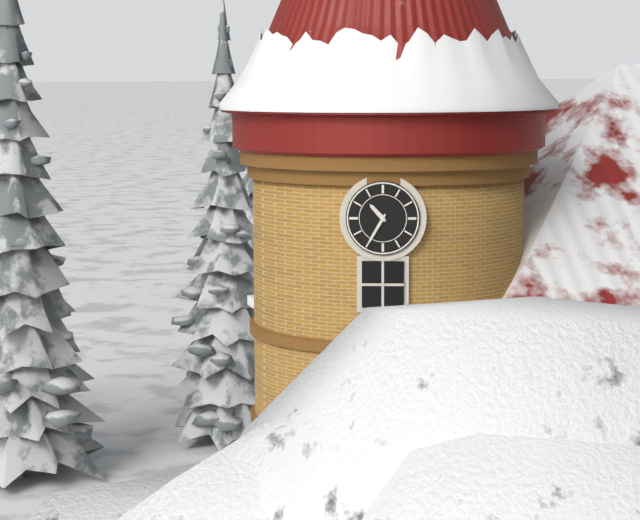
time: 10:35
